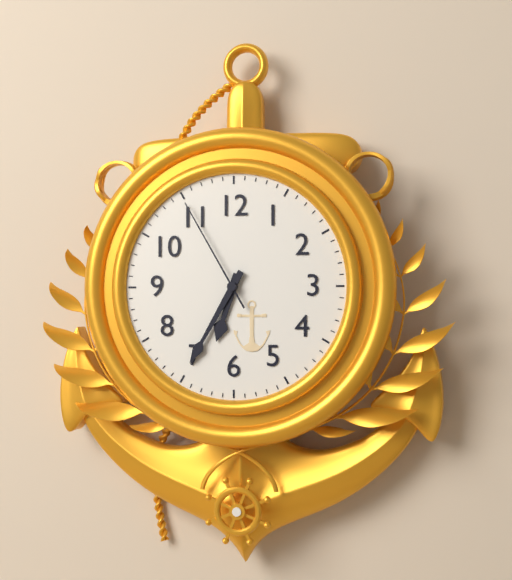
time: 6:35:55
